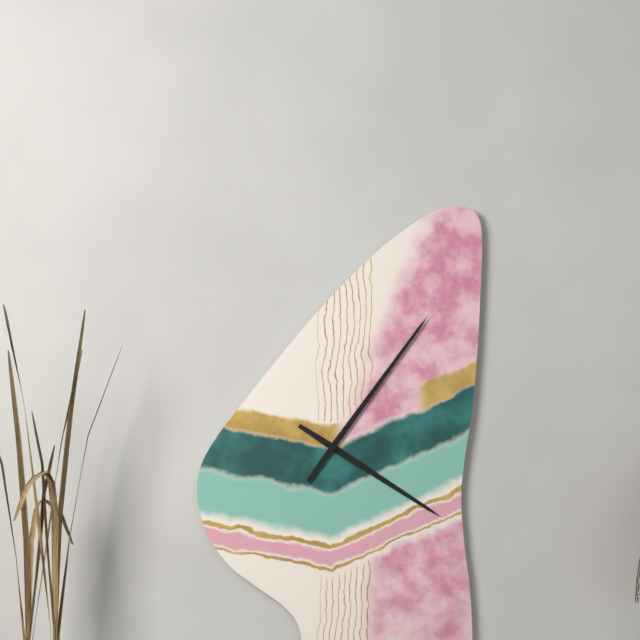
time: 4:06
